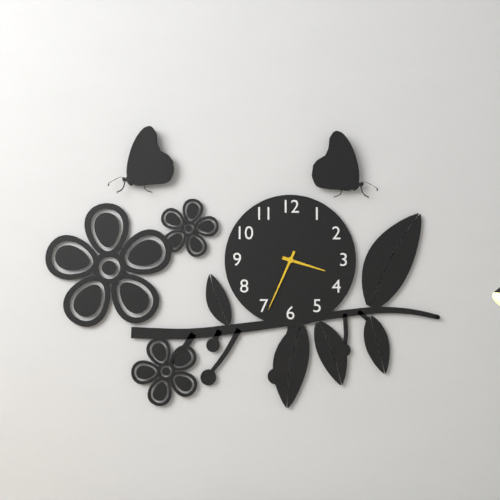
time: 3:34
